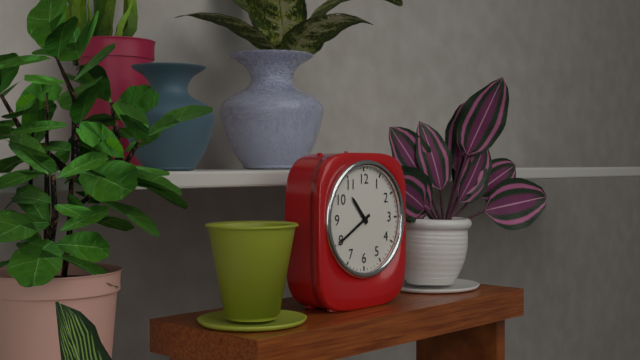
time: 10:40
